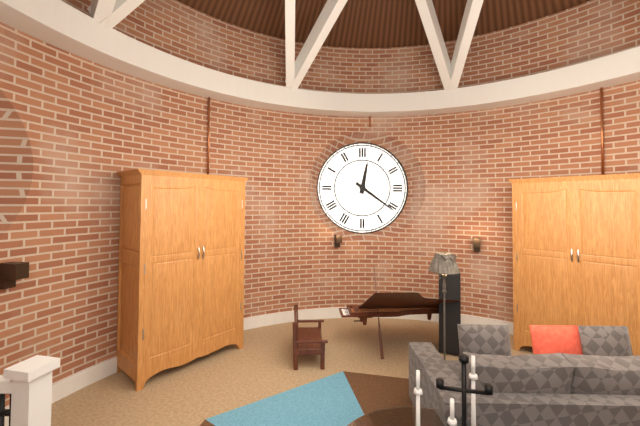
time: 12:21
